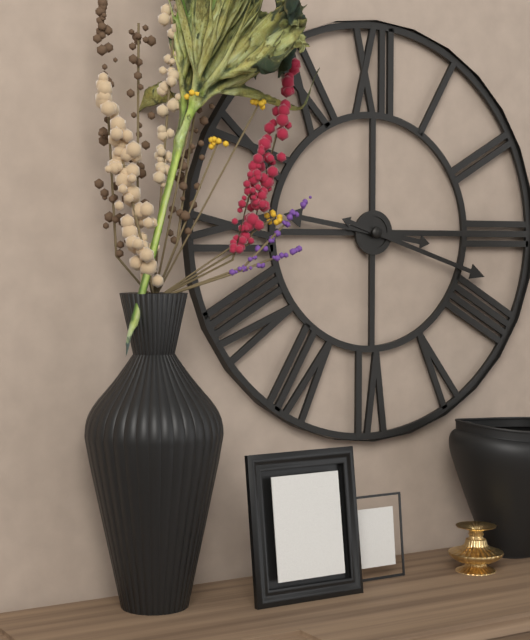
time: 9:18
